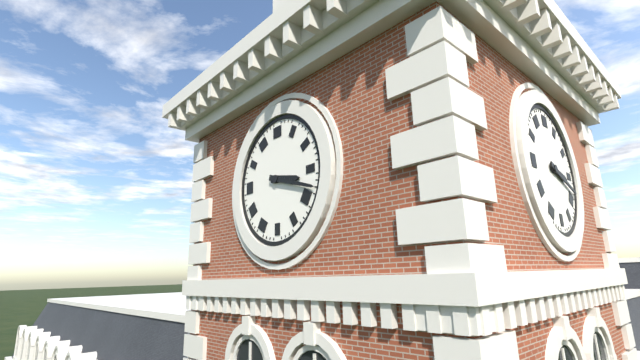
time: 3:18
